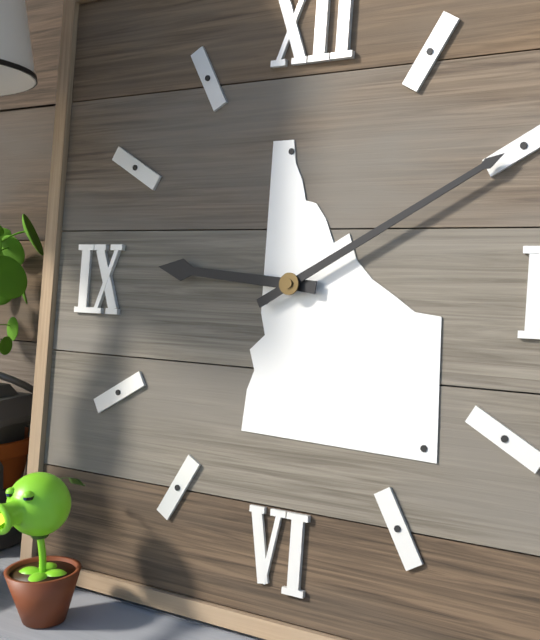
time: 9:10
